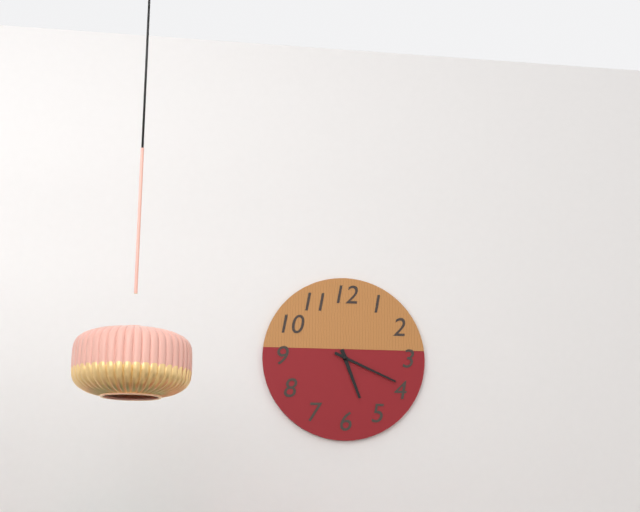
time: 5:19
